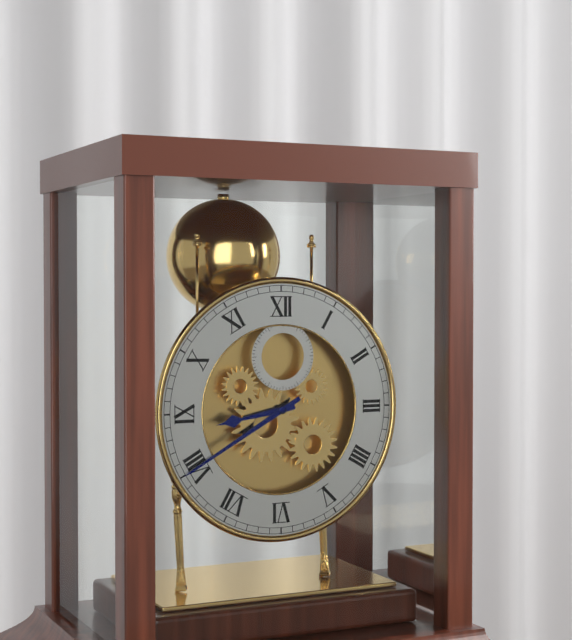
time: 8:40
